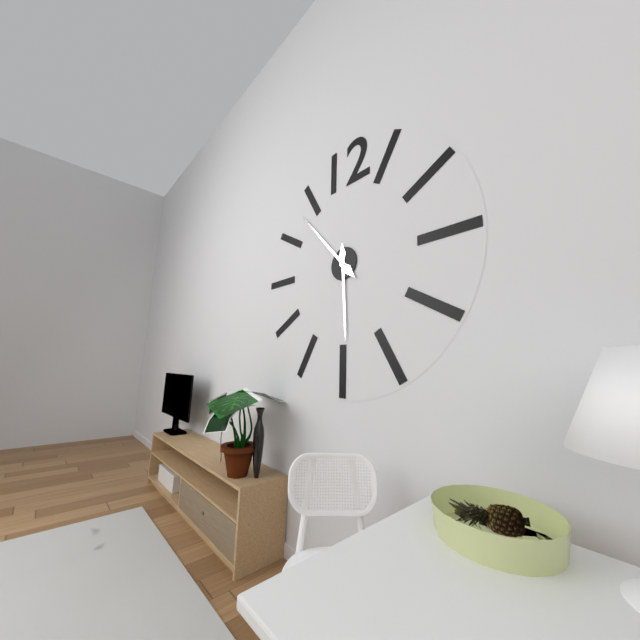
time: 5:53
